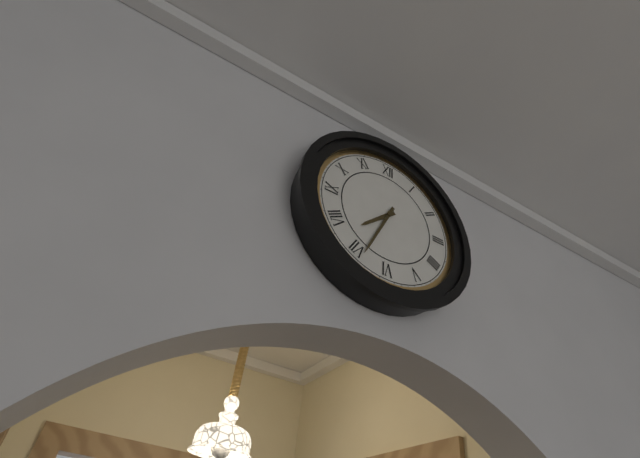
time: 7:34
